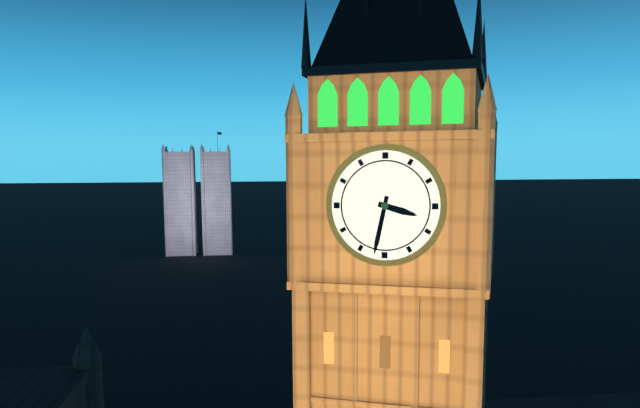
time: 3:32
